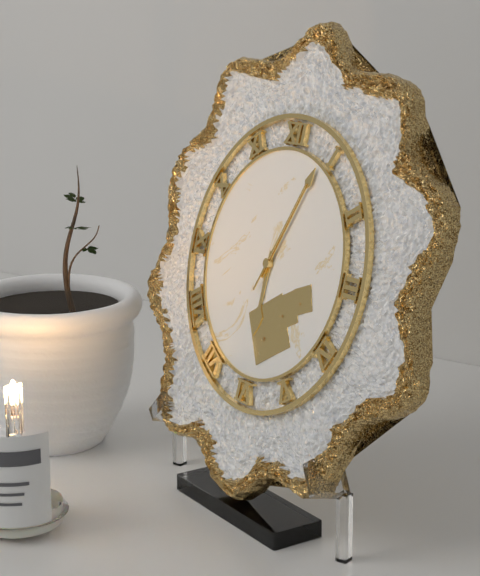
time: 6:04:04
